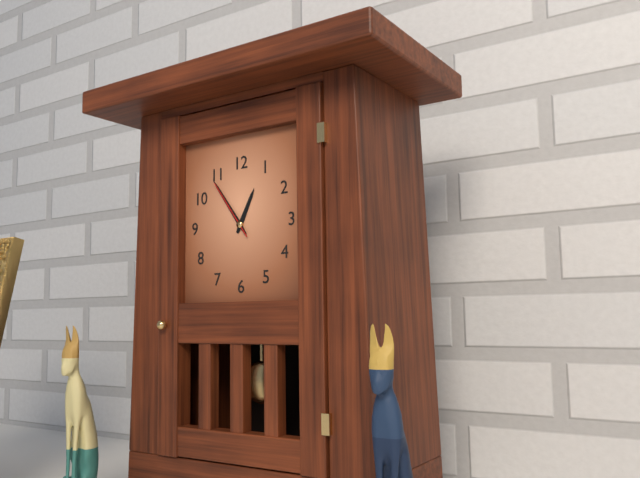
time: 12:54:54
